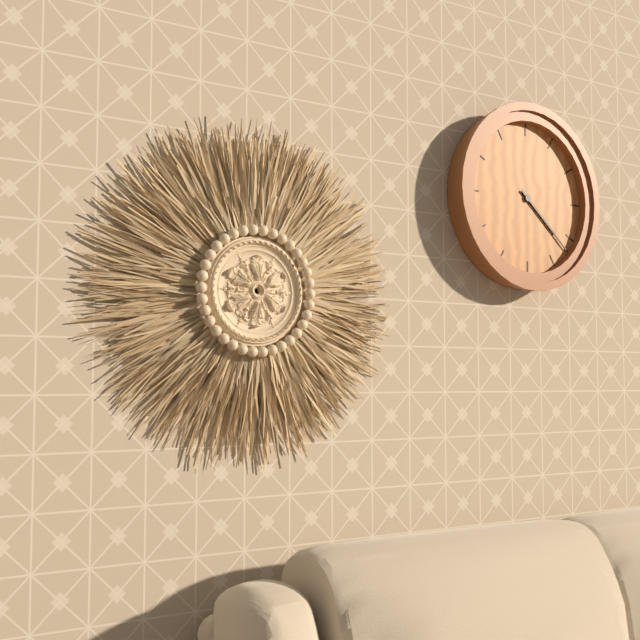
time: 4:22
